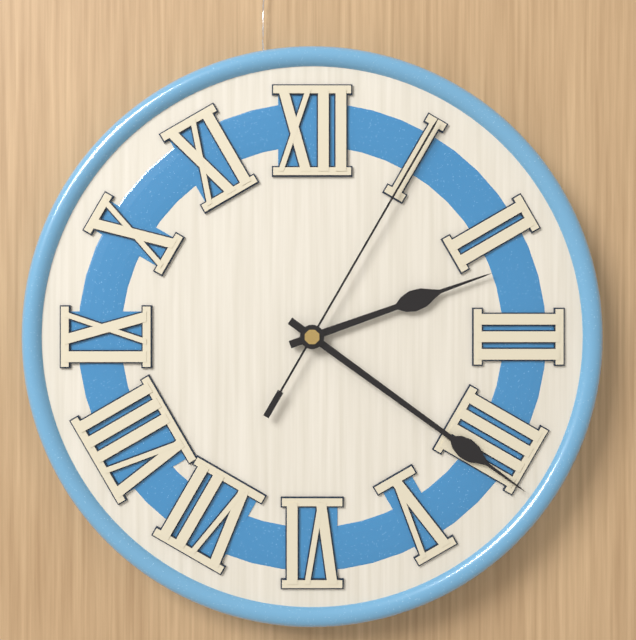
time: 2:21:05
